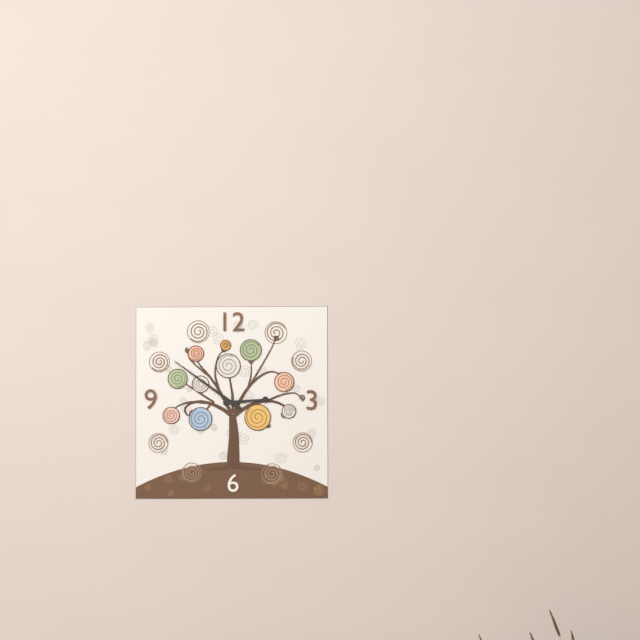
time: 2:51
